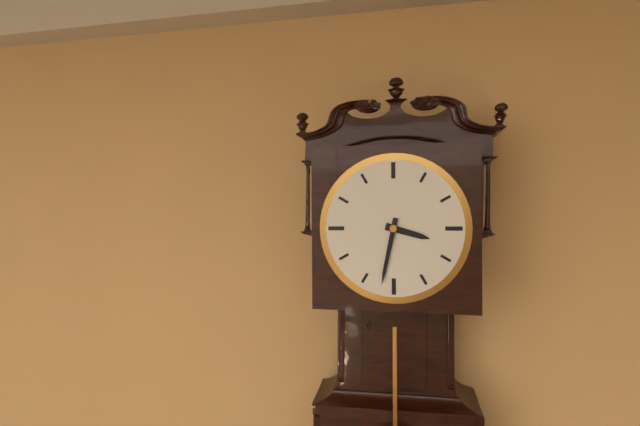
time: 3:32
